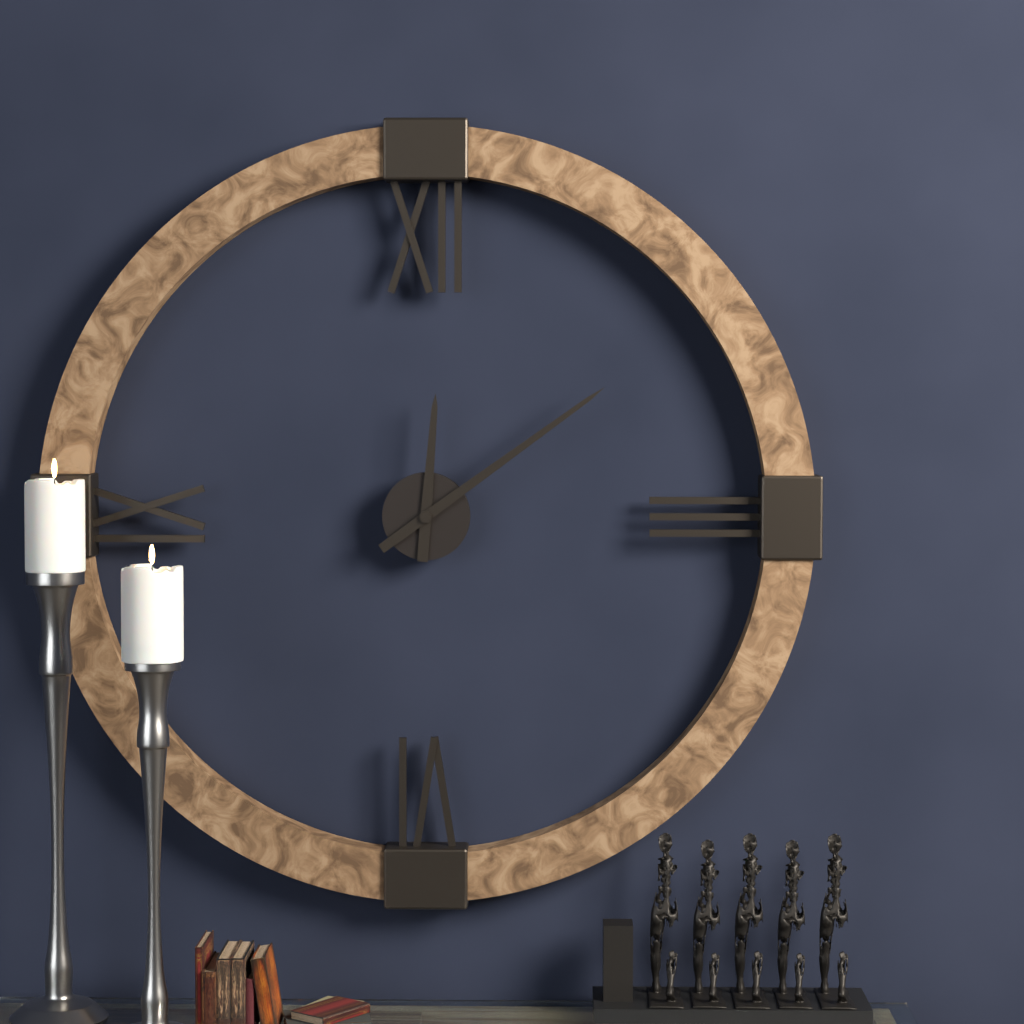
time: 12:09
